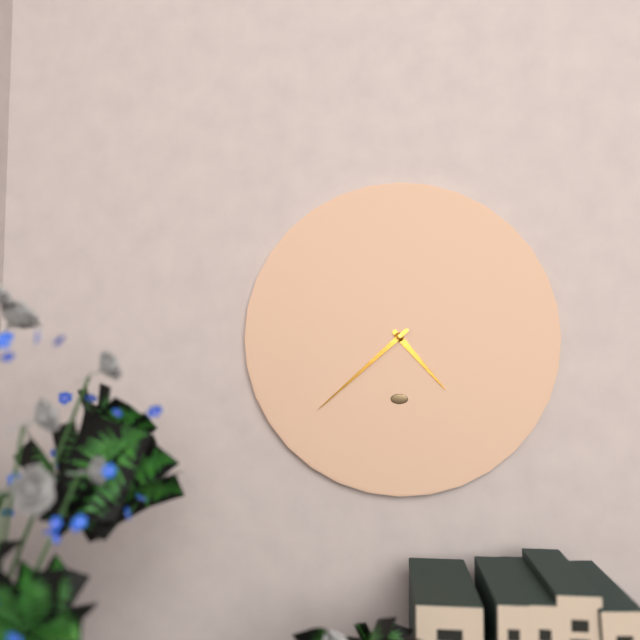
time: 4:38
